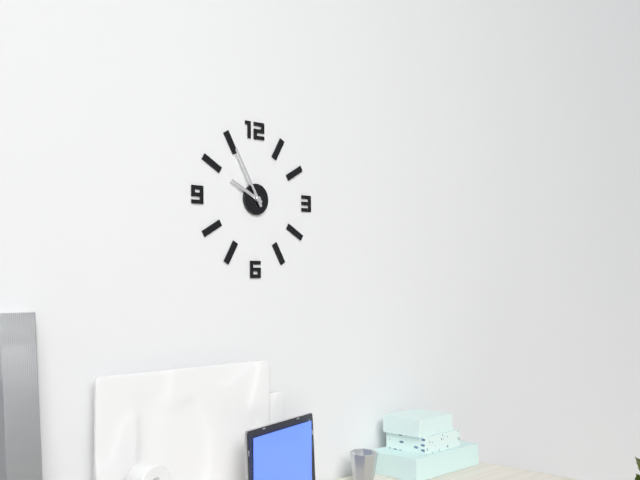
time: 9:55
